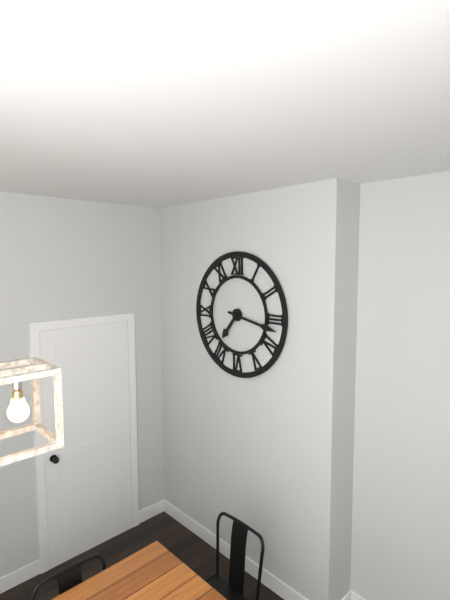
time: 7:17
